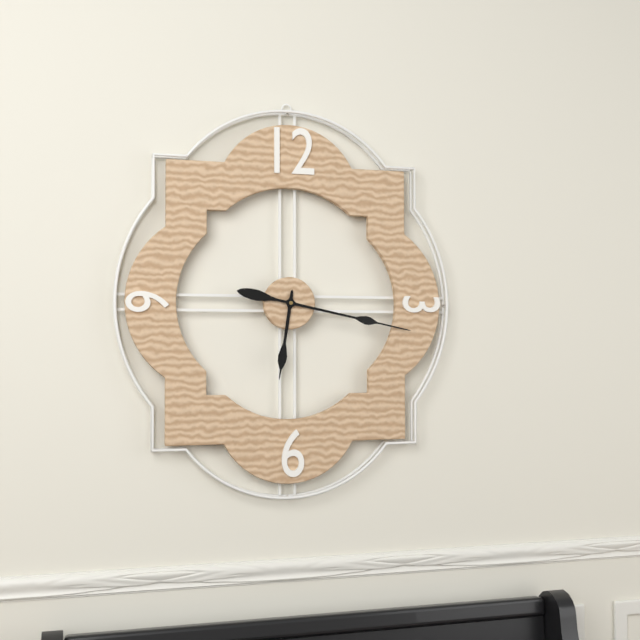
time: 6:17
